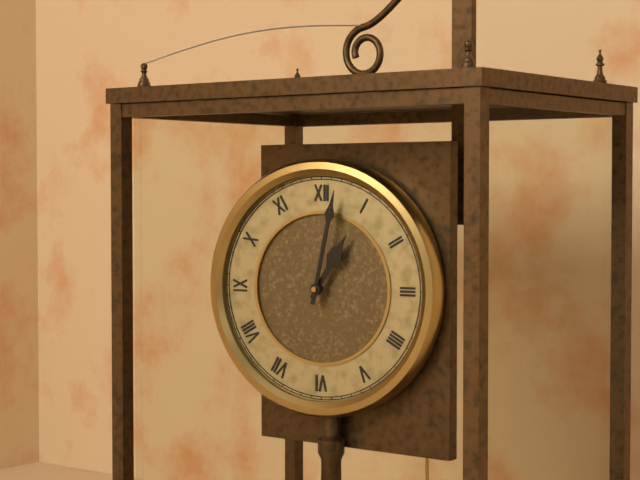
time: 1:02
